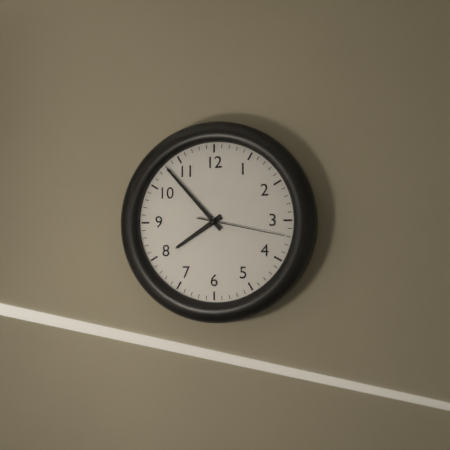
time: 7:53:17
